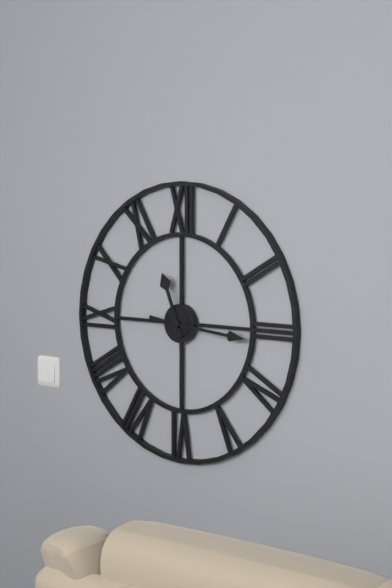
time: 11:16
